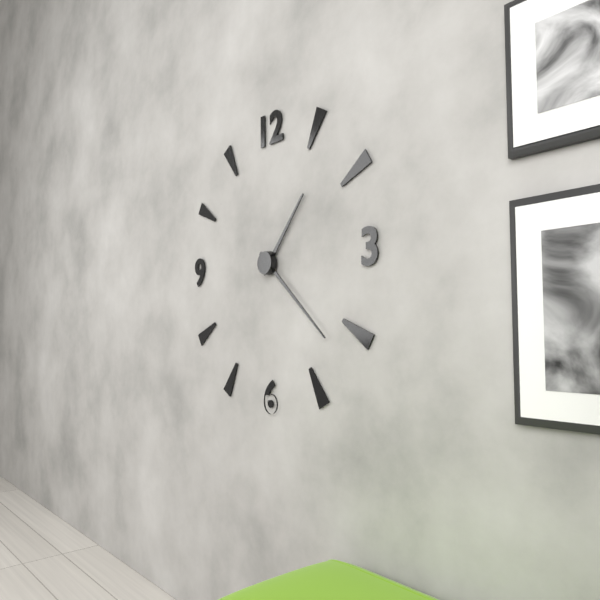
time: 1:22
